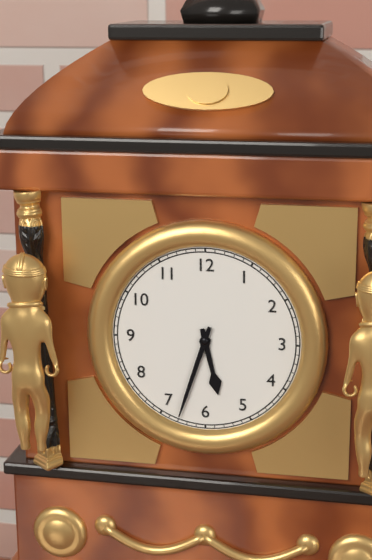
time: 5:33
